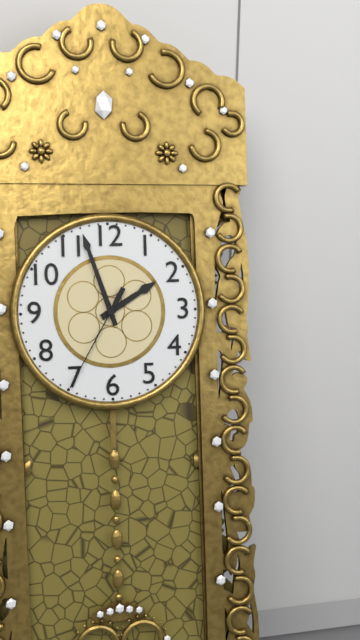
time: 1:57:35
